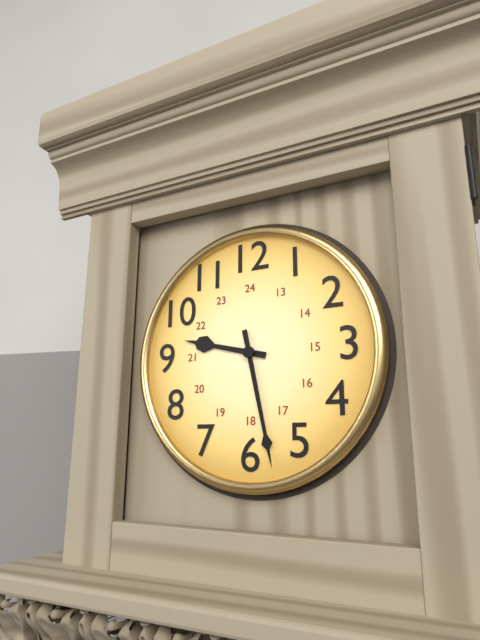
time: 9:28
